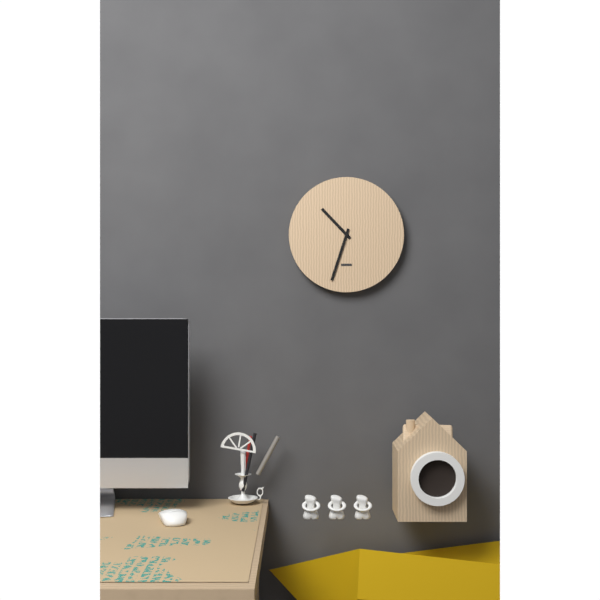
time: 10:33
